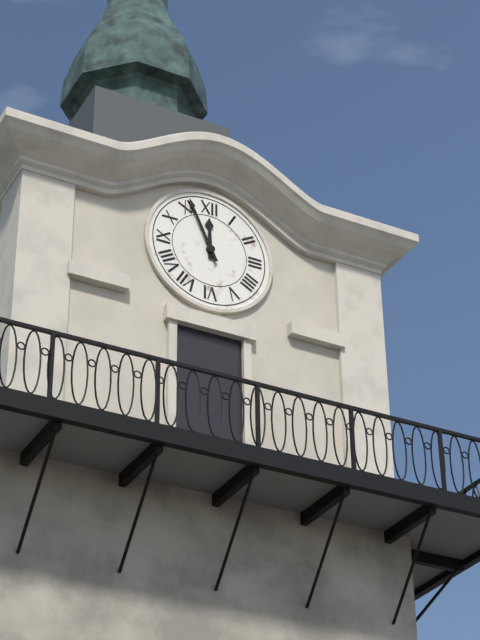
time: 11:56
